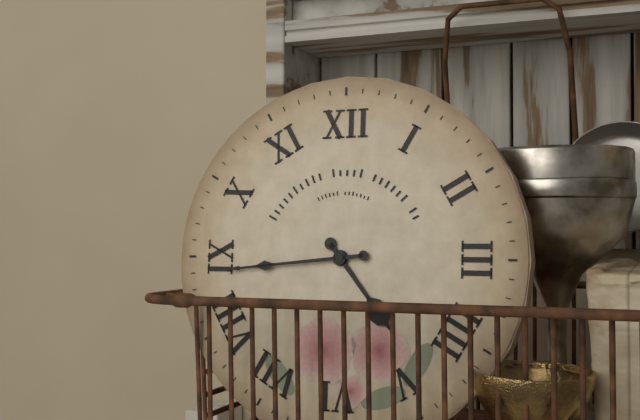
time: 4:44
